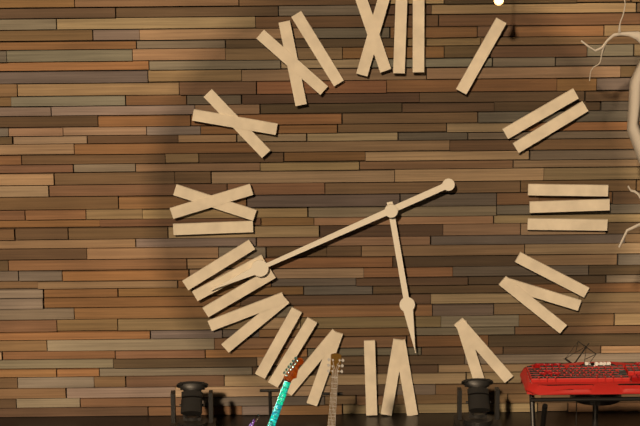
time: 5:41
